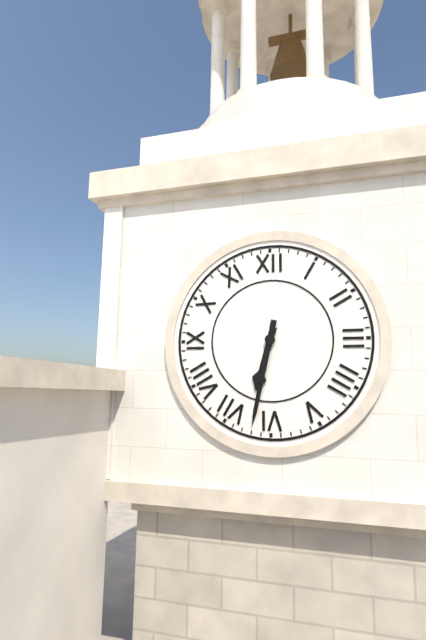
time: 6:32
